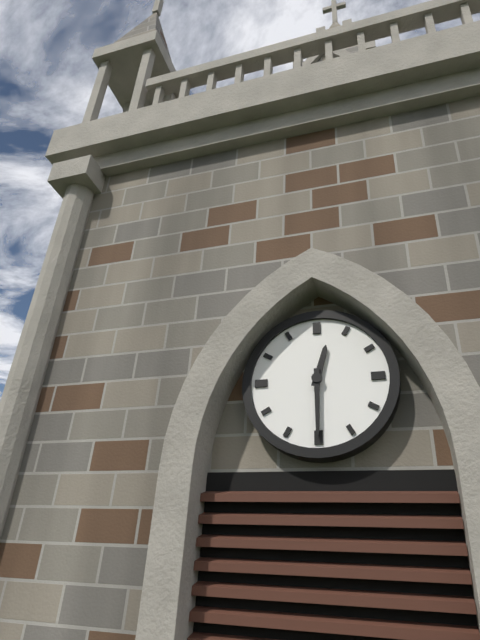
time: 12:30
